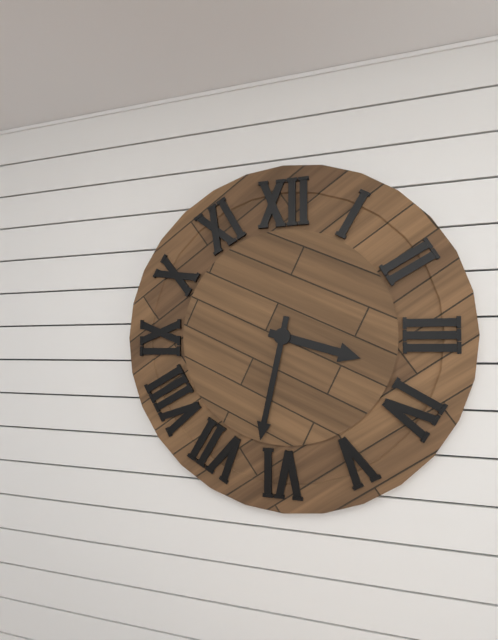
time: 3:32
